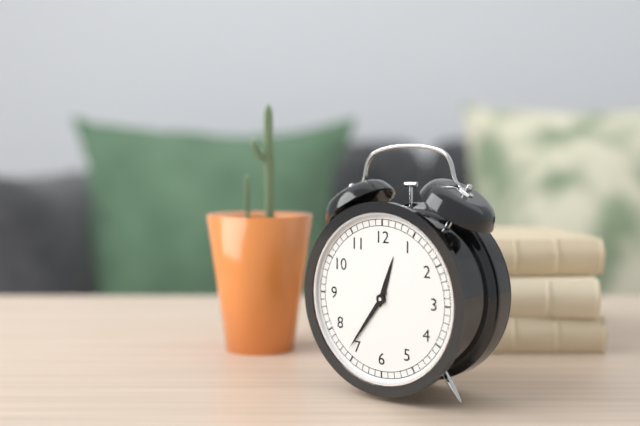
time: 12:36
